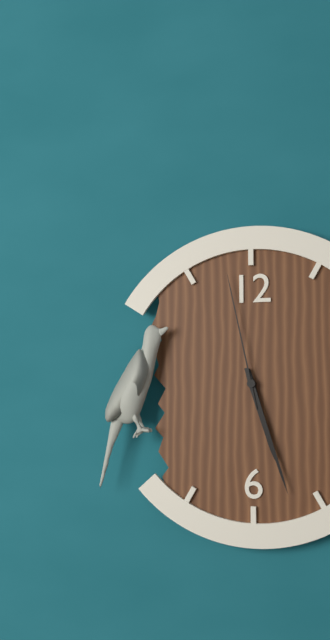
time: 5:27:58
